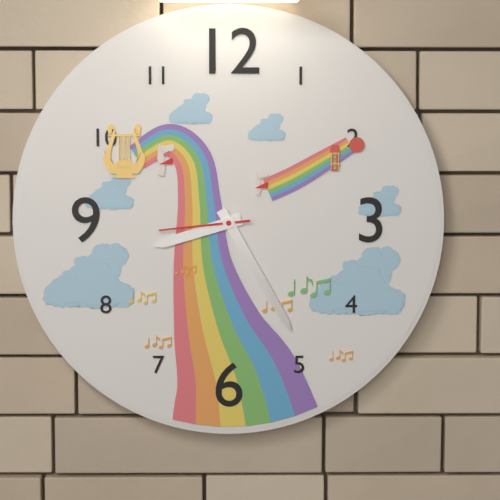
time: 8:25:44
